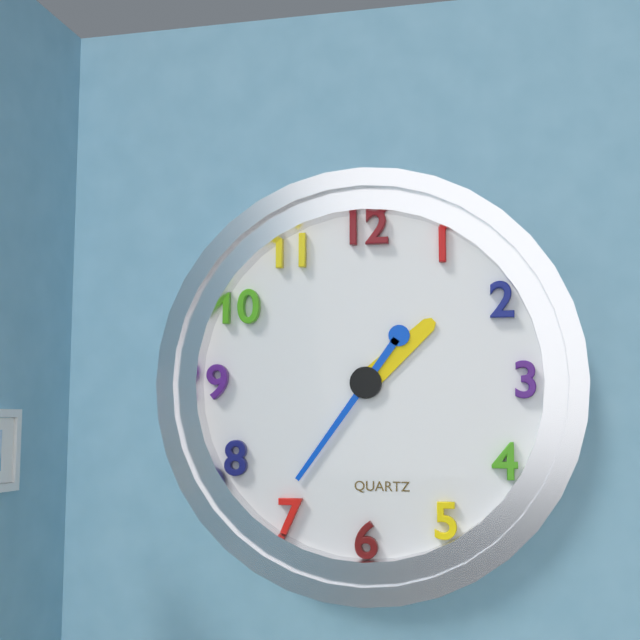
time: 1:36
